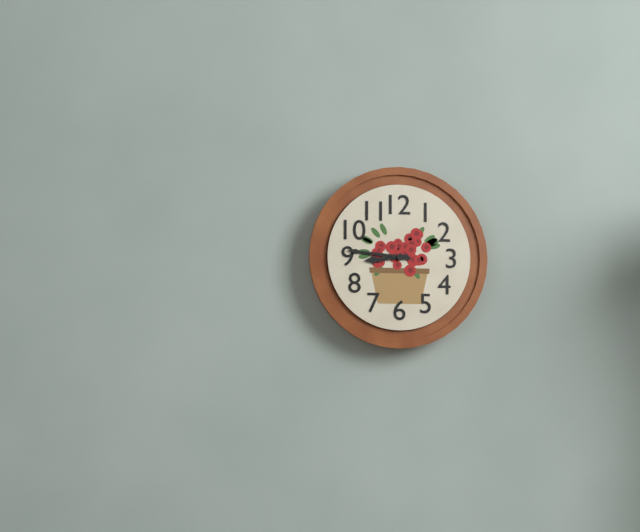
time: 8:46
